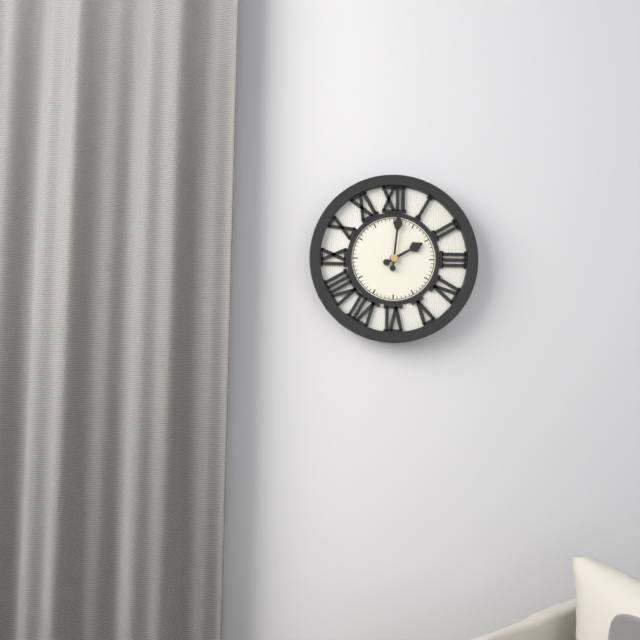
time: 2:01
